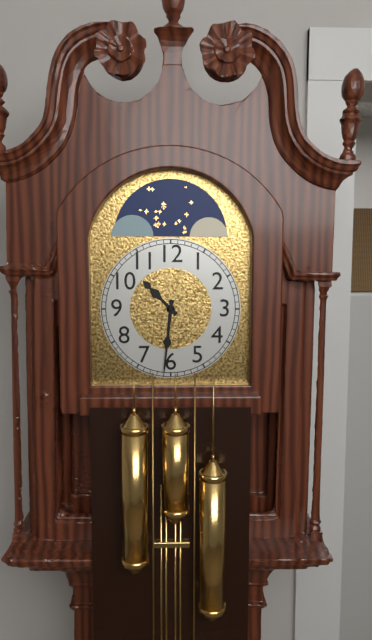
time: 10:31
